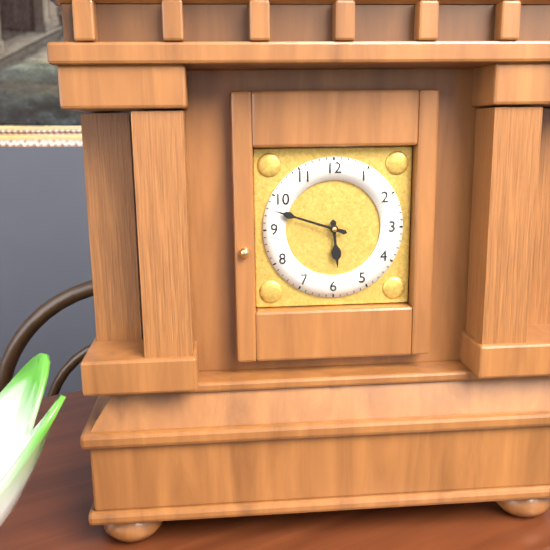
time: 5:48
